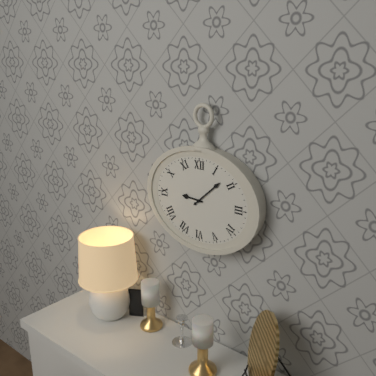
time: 9:08
